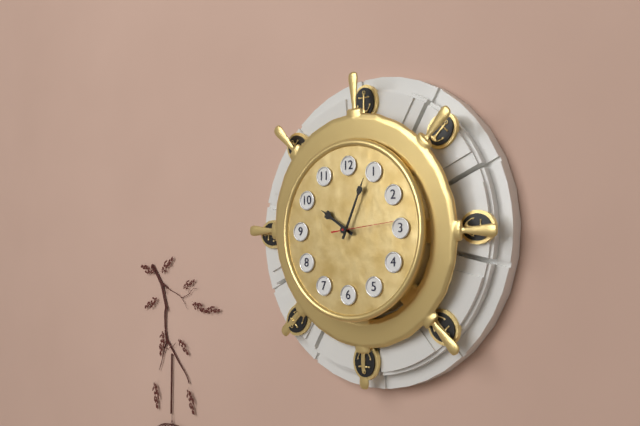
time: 10:04:14
